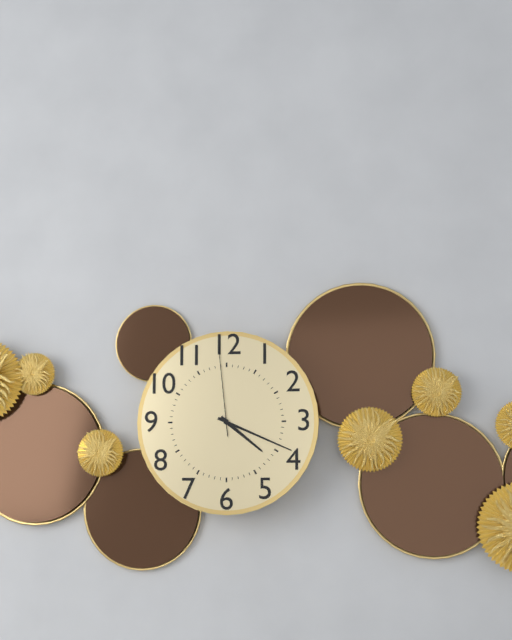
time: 4:19:59
